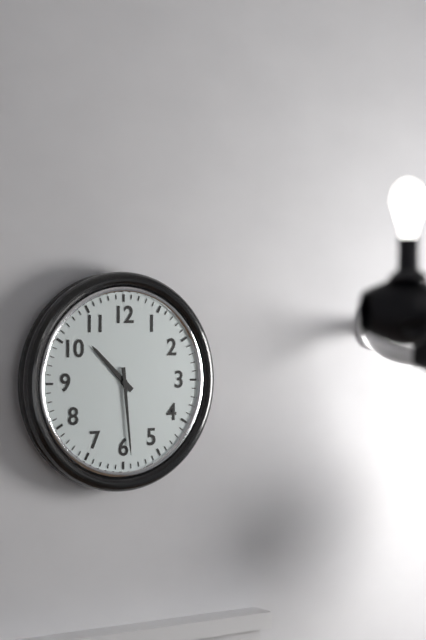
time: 10:29
